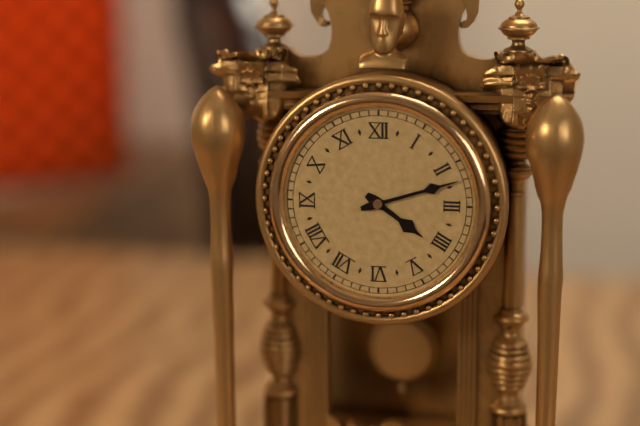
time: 4:12
